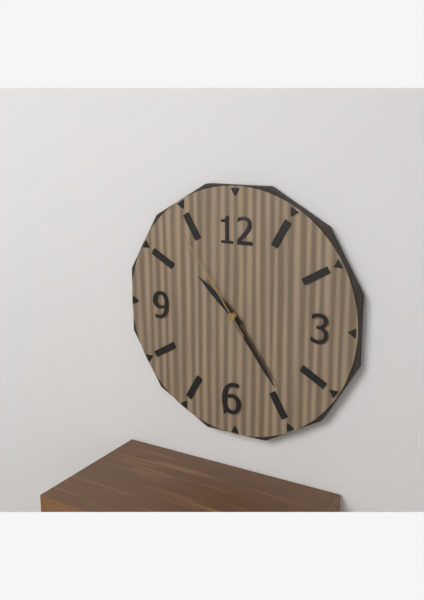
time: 10:24:54
